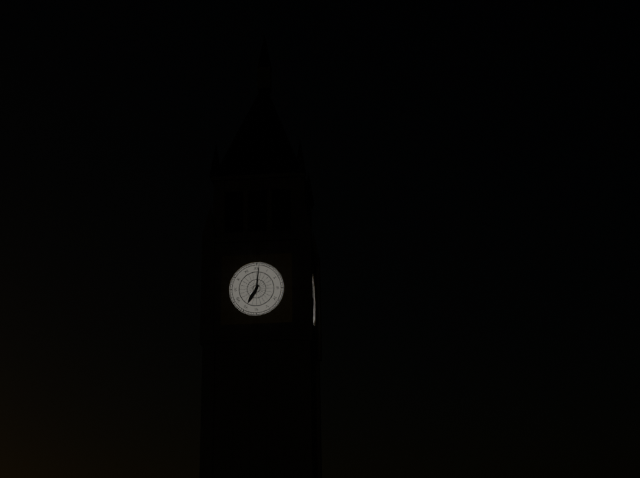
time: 7:01
